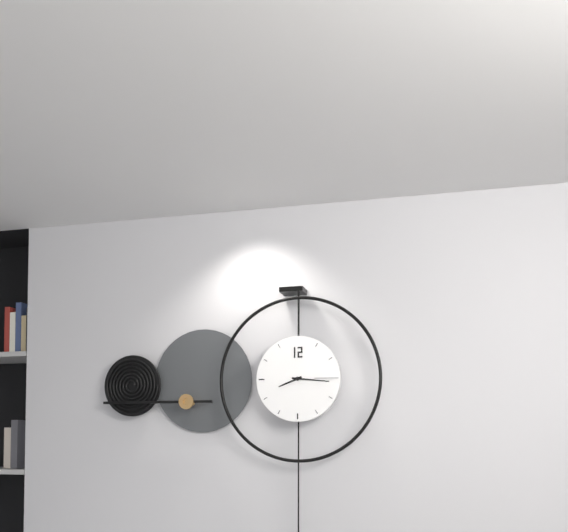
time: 8:16
